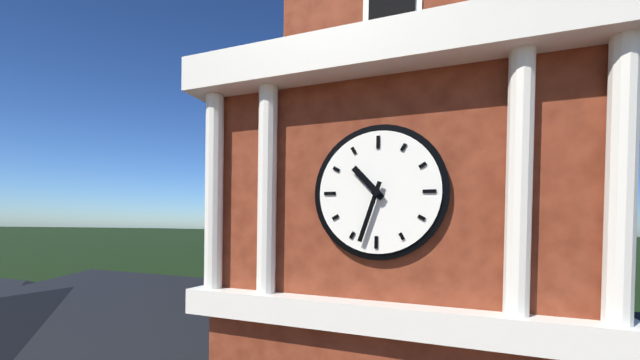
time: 10:33
